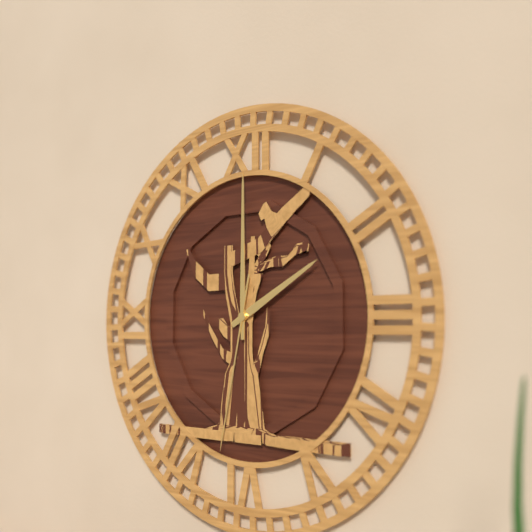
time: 2:00:32
